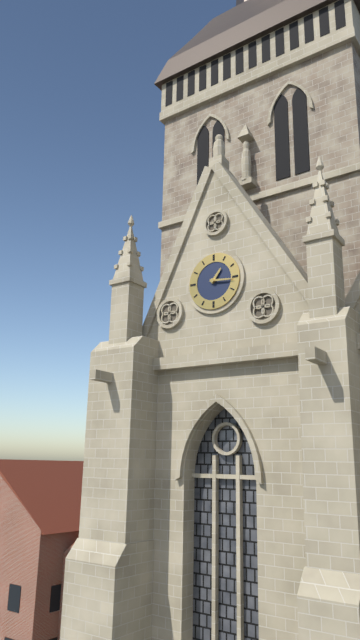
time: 1:16
